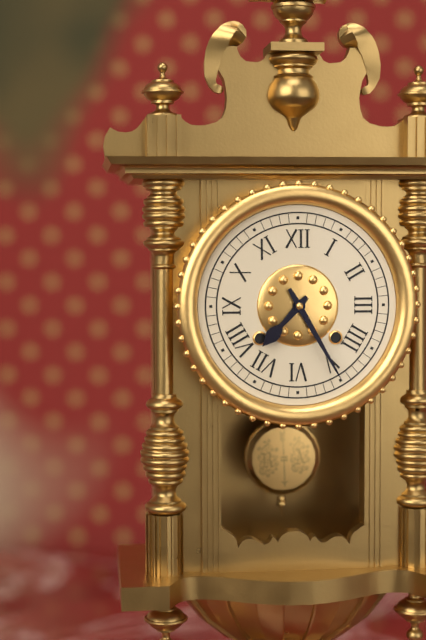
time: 7:25
